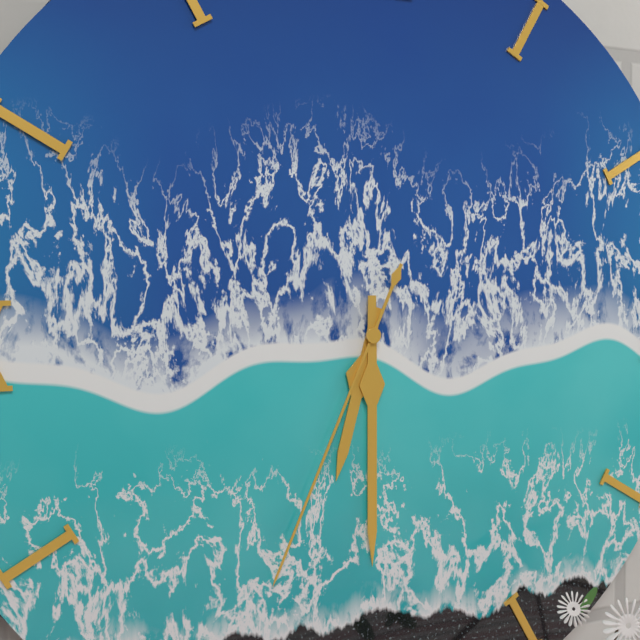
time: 6:30:34
